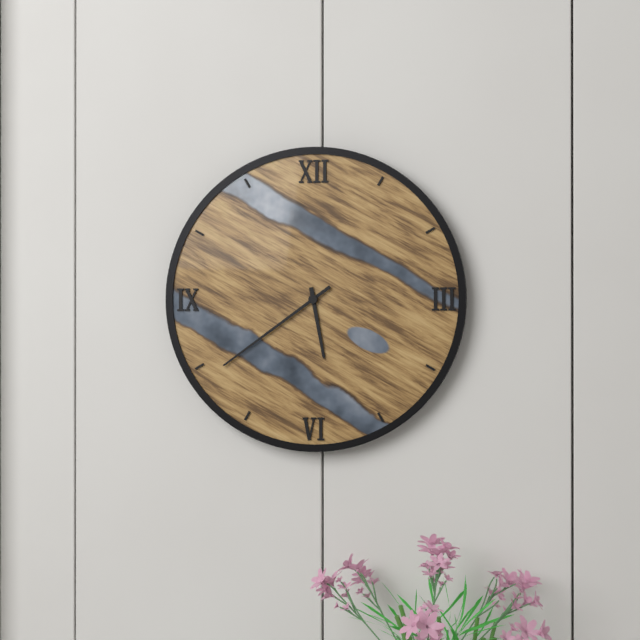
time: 5:39
